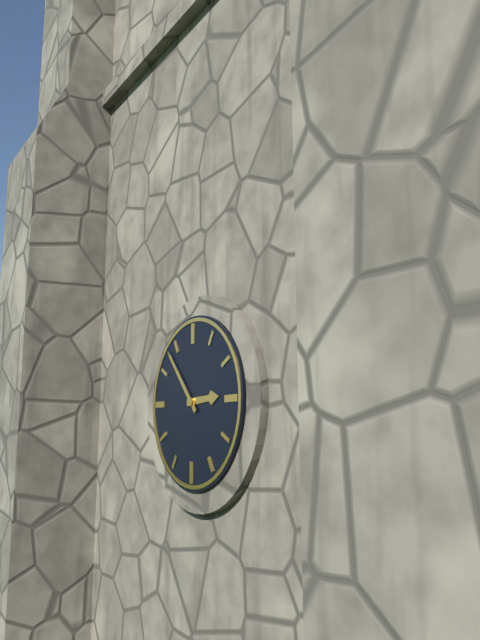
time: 2:53
